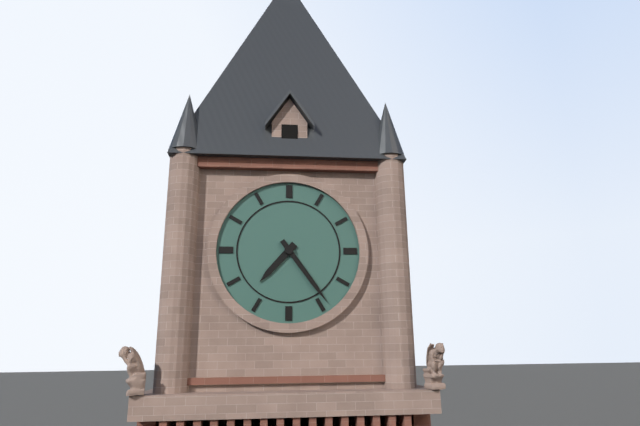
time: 7:24
